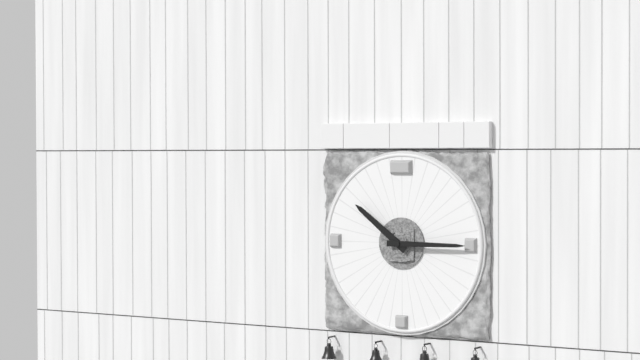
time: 10:15
